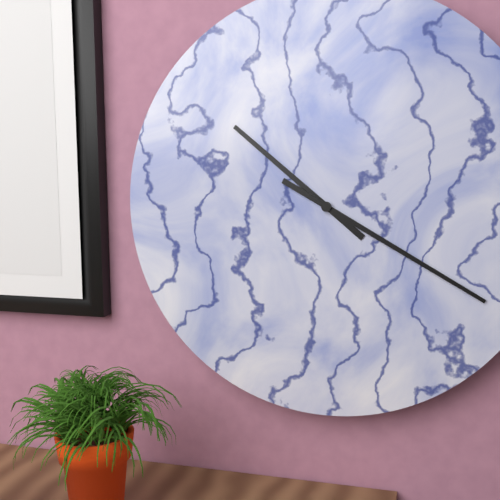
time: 10:20
